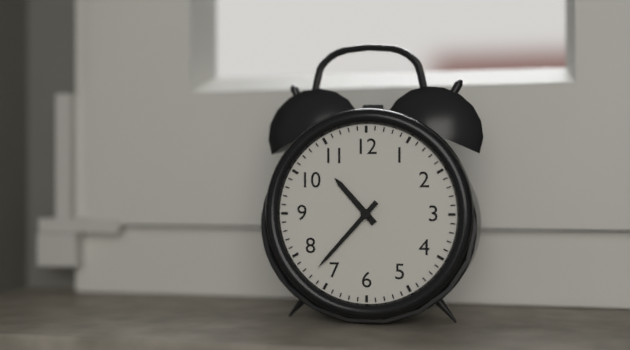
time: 10:37
